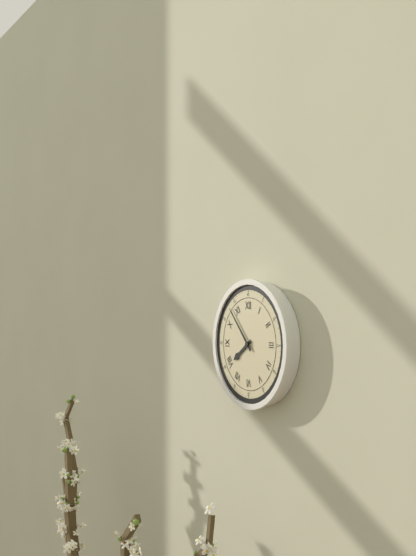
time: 7:53
